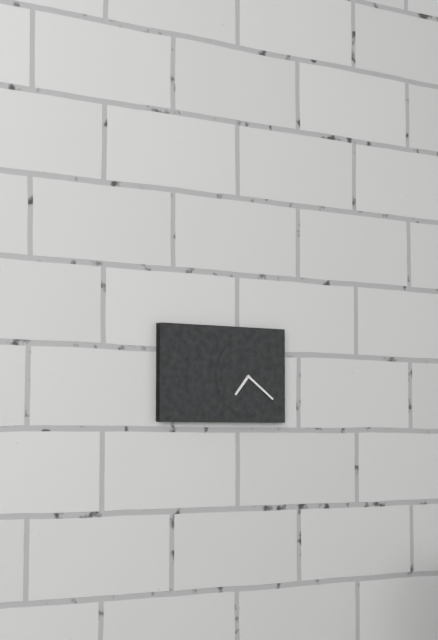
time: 7:21
